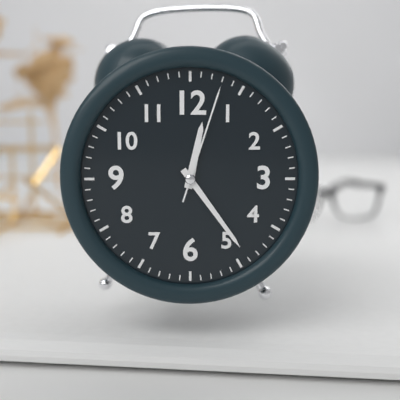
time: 12:24:03
